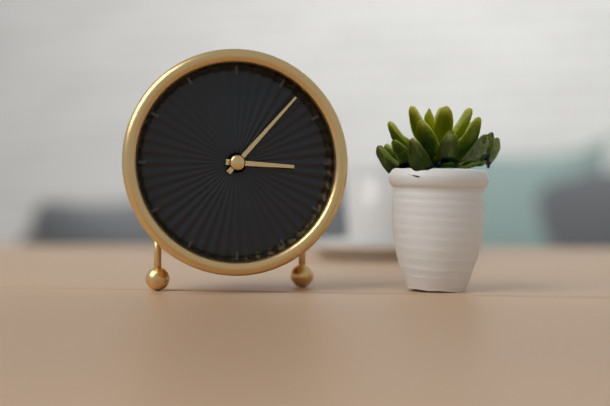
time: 3:07
